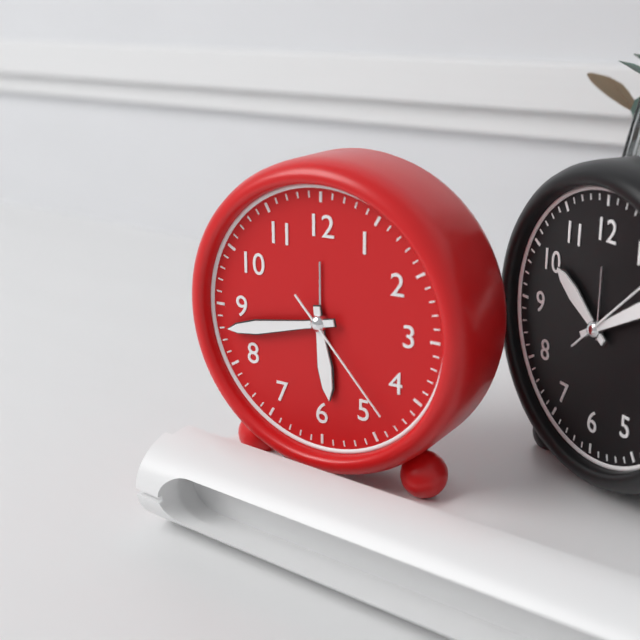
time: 5:43:23
